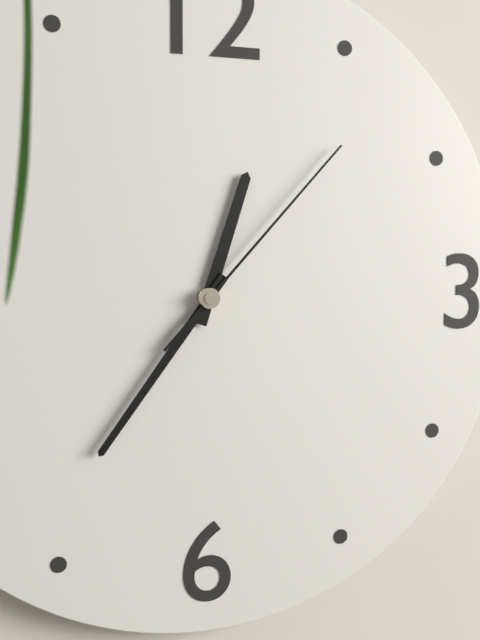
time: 12:36:07
